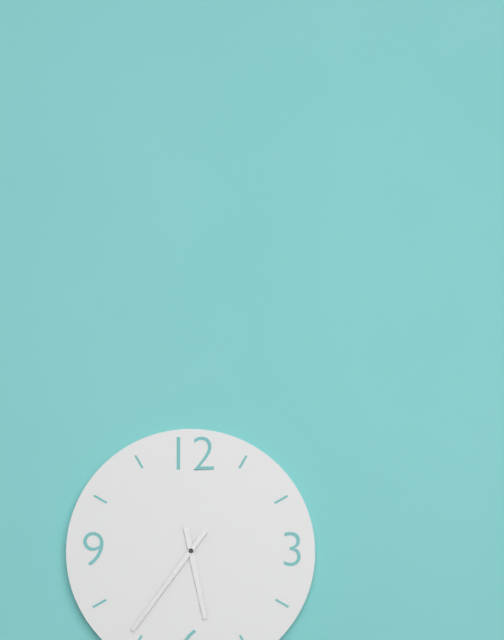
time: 5:36
